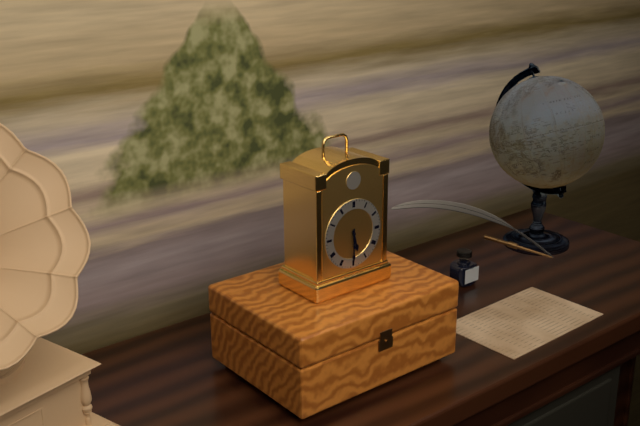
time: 5:30
